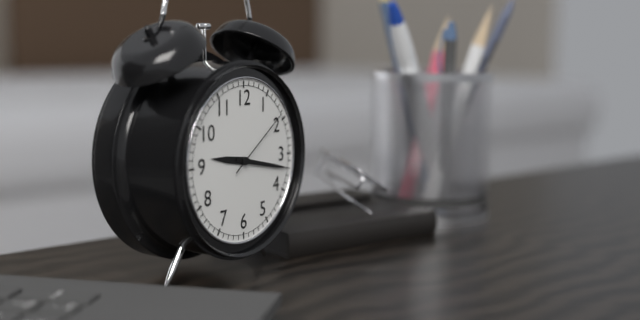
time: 9:17:09
